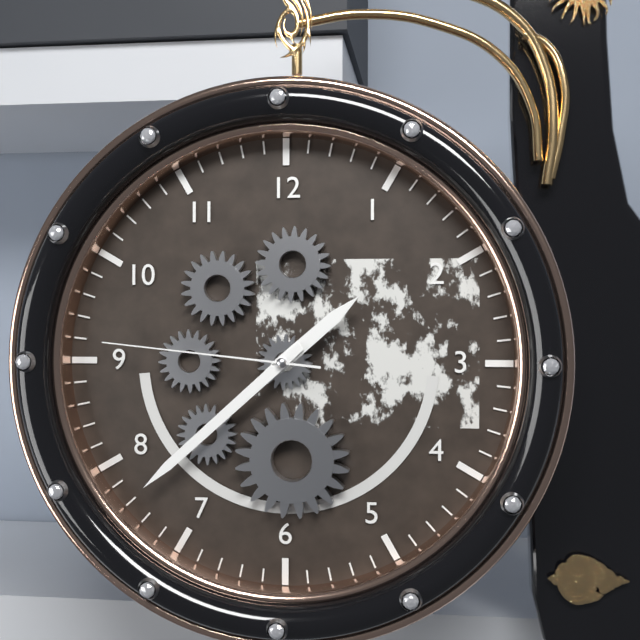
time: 1:38:46
